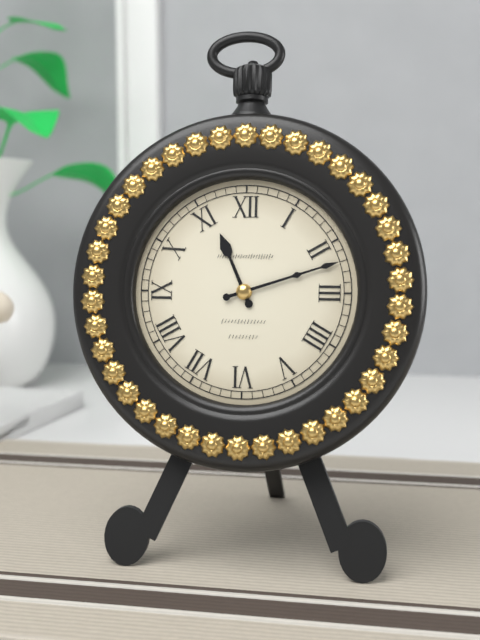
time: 11:12
